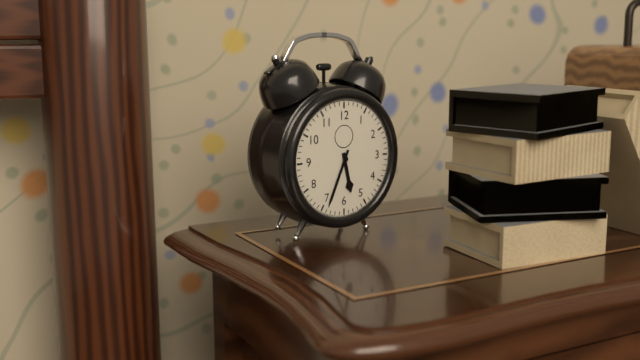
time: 5:34
